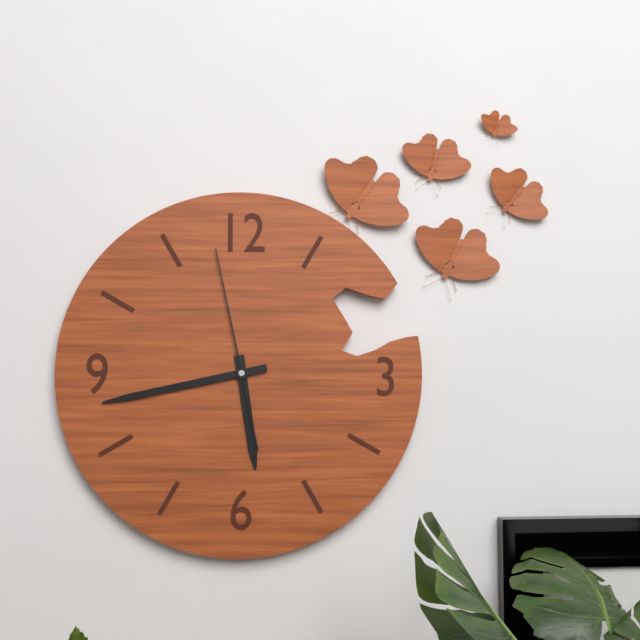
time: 5:43:58
